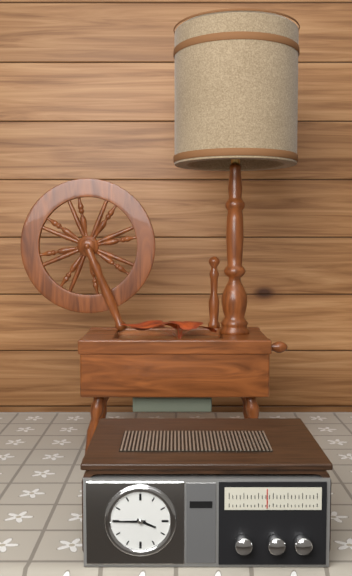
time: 3:45
